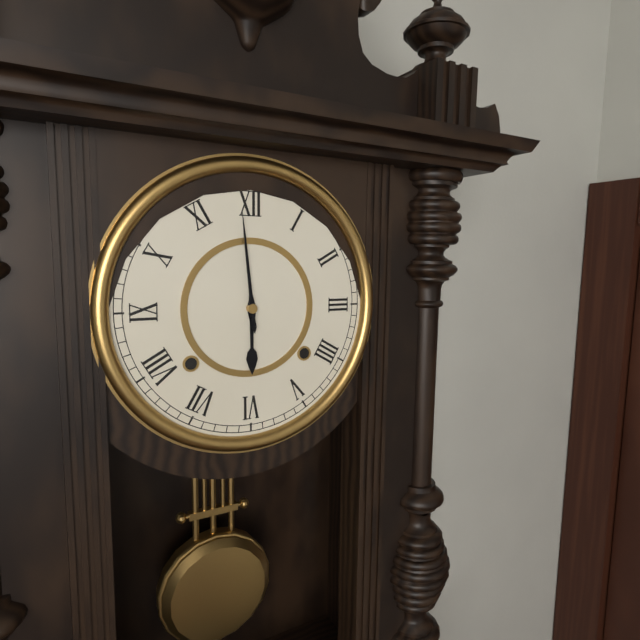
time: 5:59
